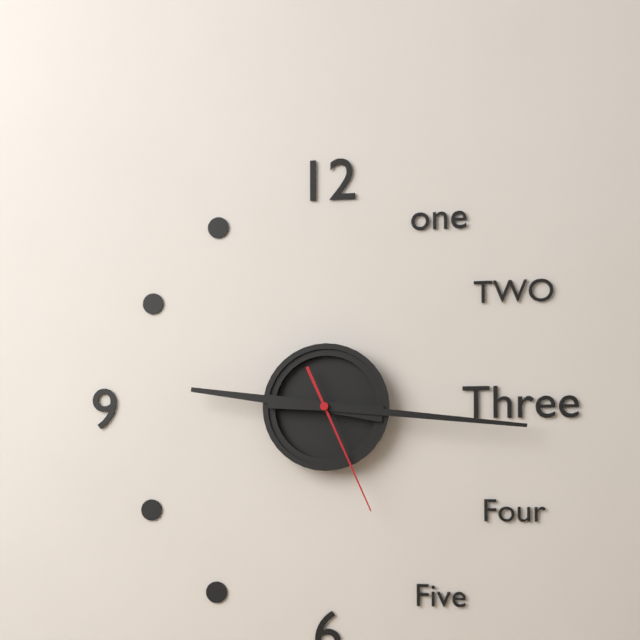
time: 9:16:26
